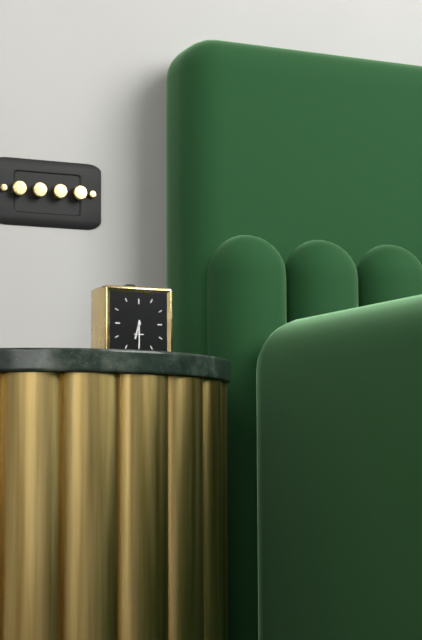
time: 6:30
